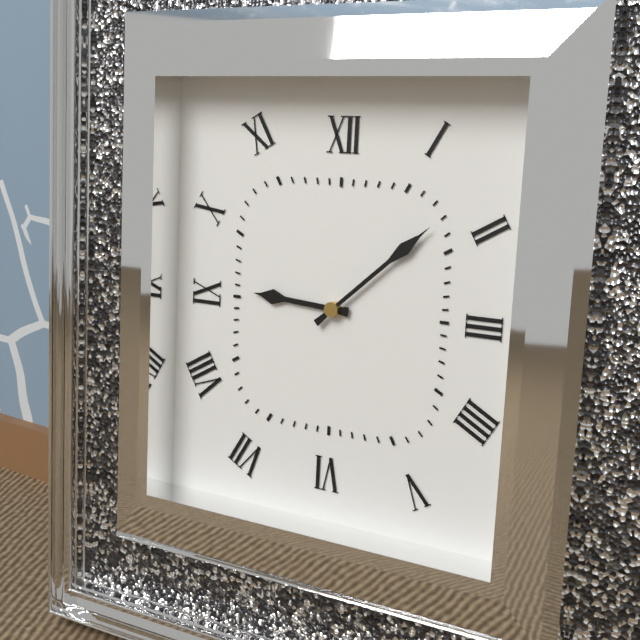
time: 9:08
